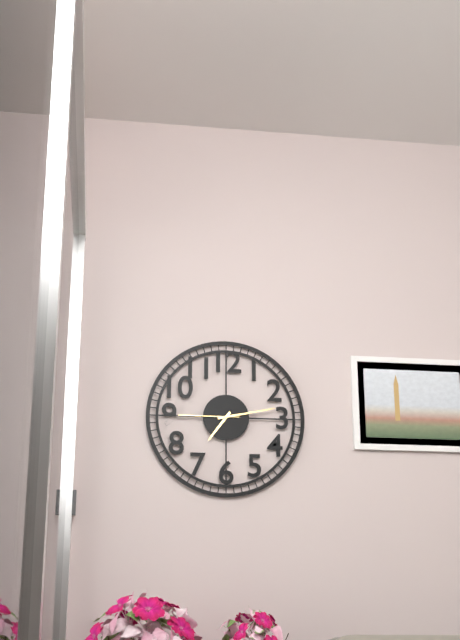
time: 7:13:45
